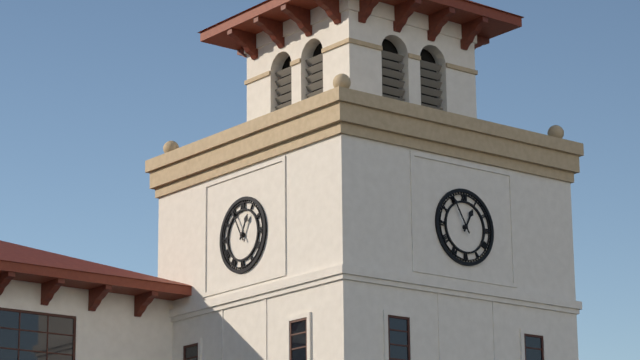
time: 12:55
